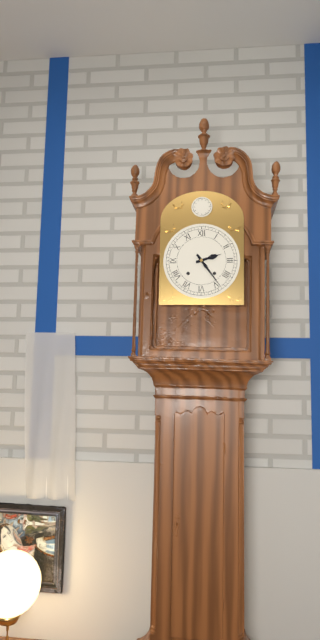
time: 2:24
